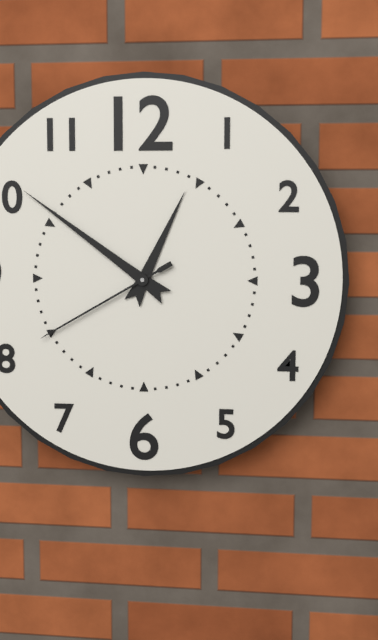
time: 12:51:40
